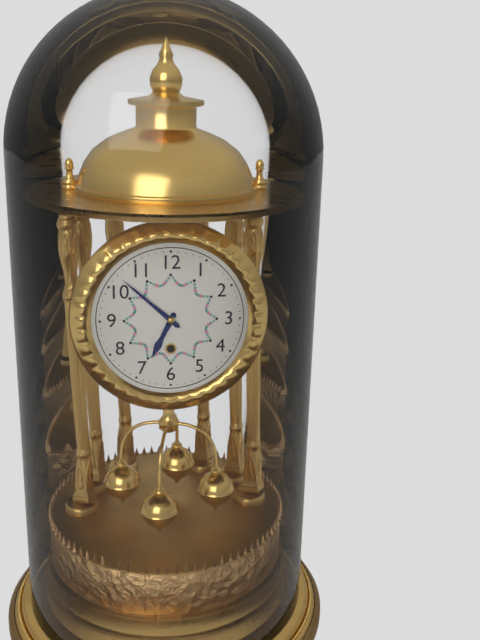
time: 6:52
